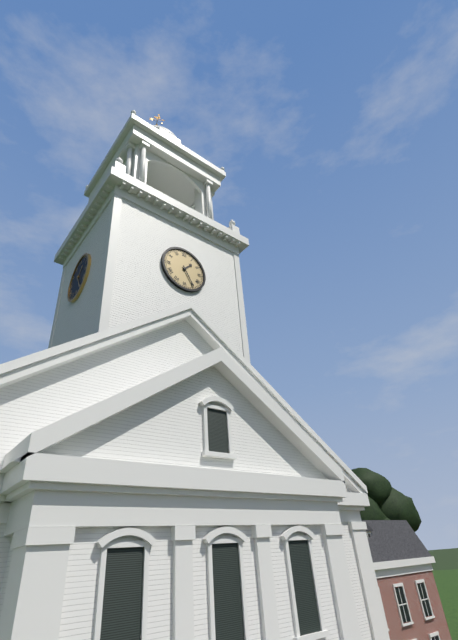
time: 1:25
